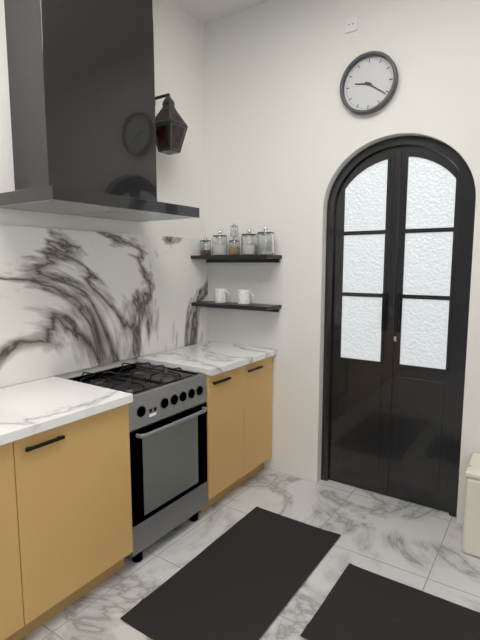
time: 9:21
